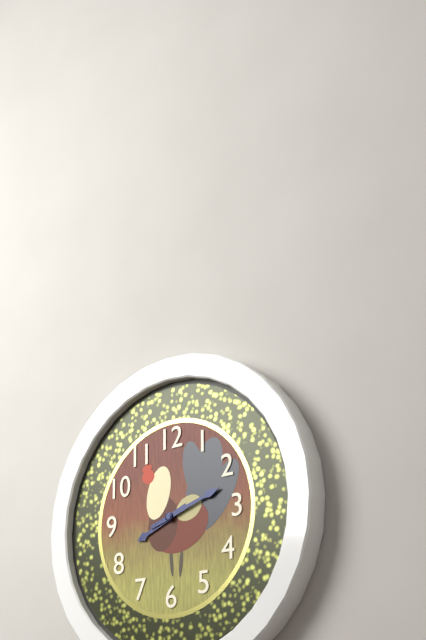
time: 8:12
